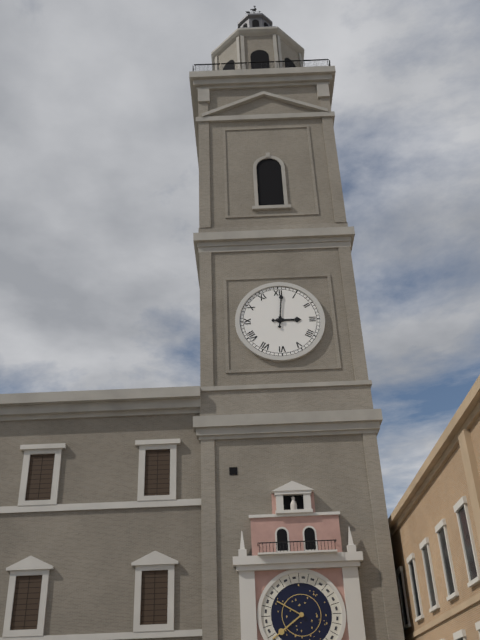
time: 3:01
